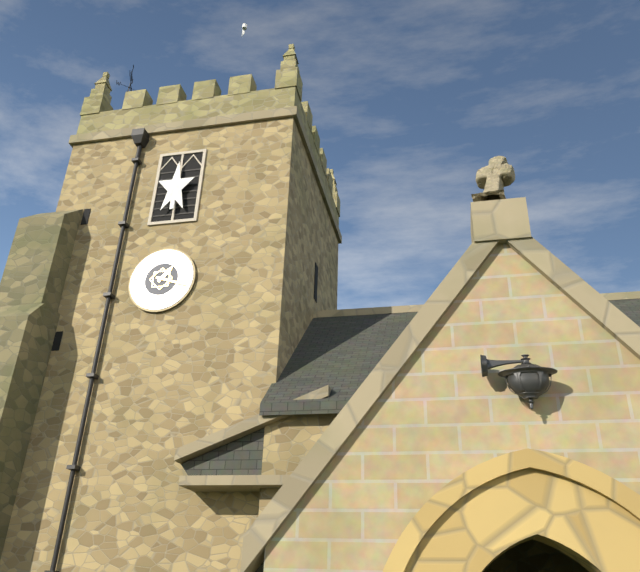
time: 1:18
